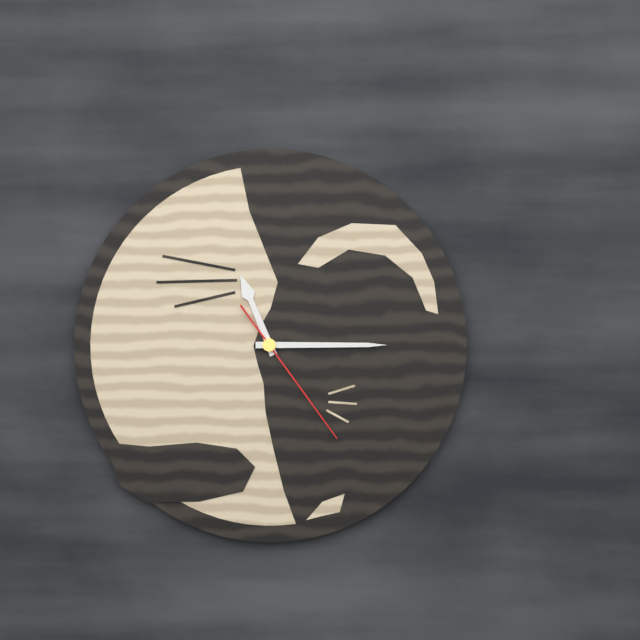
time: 11:15:24
